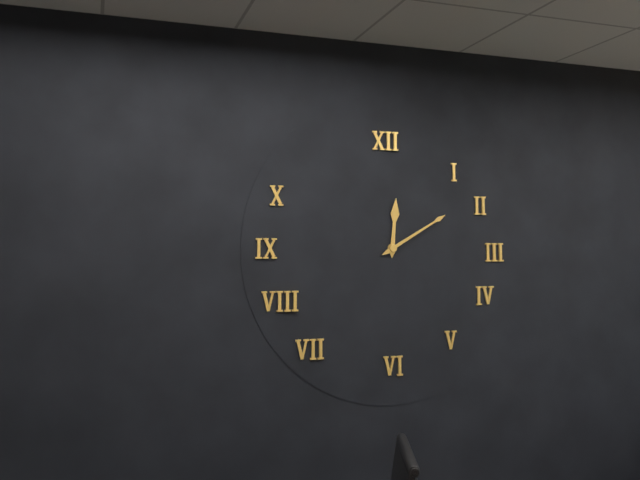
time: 12:10
